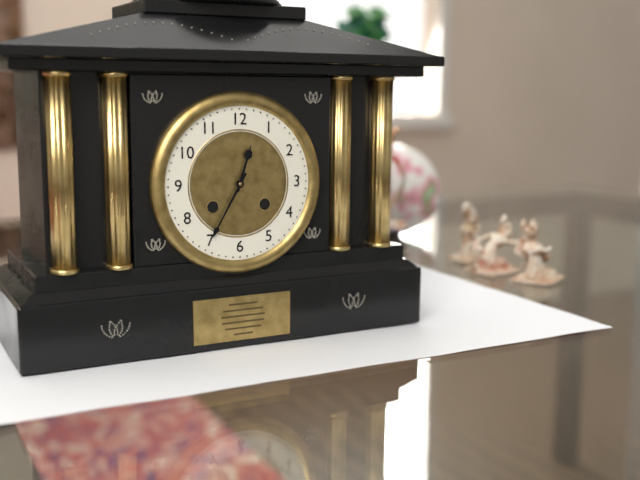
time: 12:35
